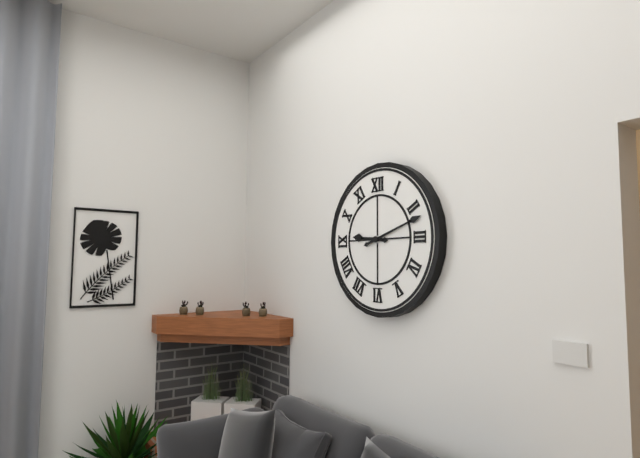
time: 9:12
